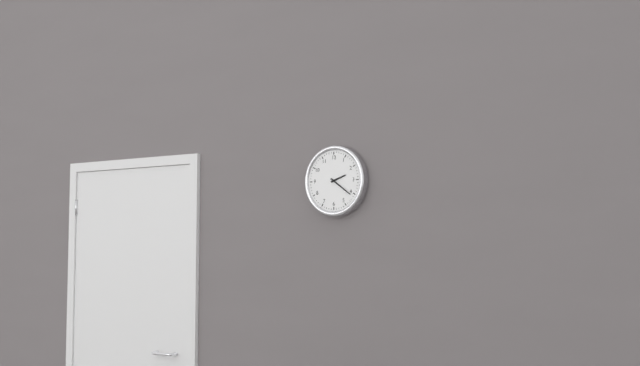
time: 2:21
